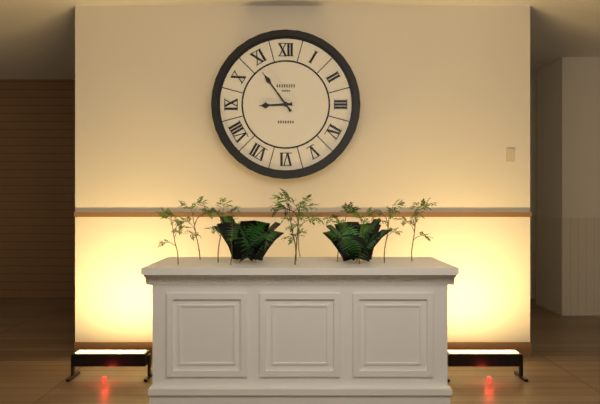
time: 8:54
